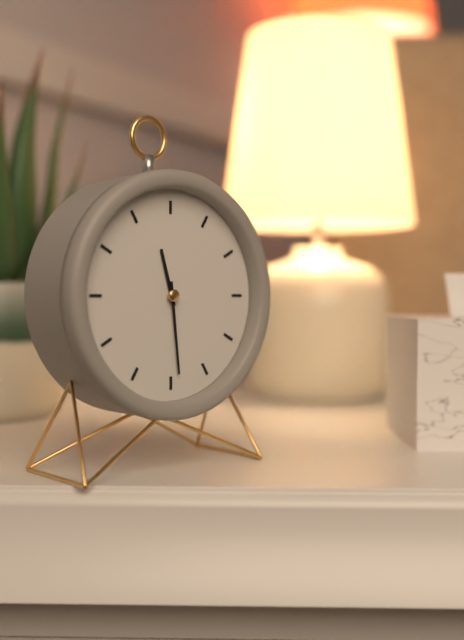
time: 11:29
